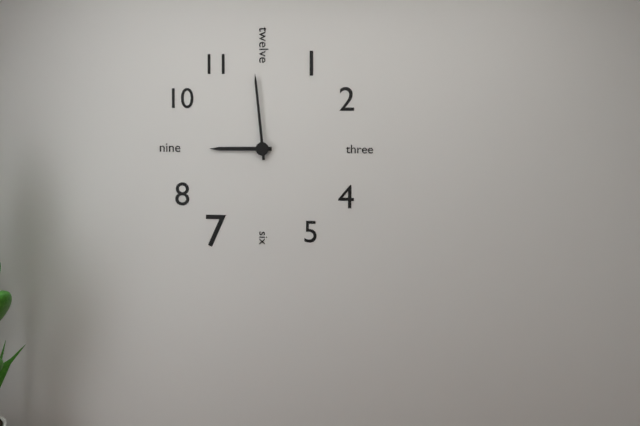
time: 8:59
